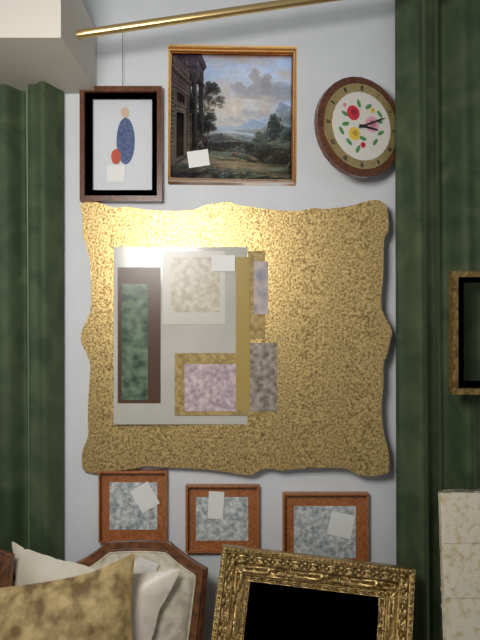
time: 3:11
